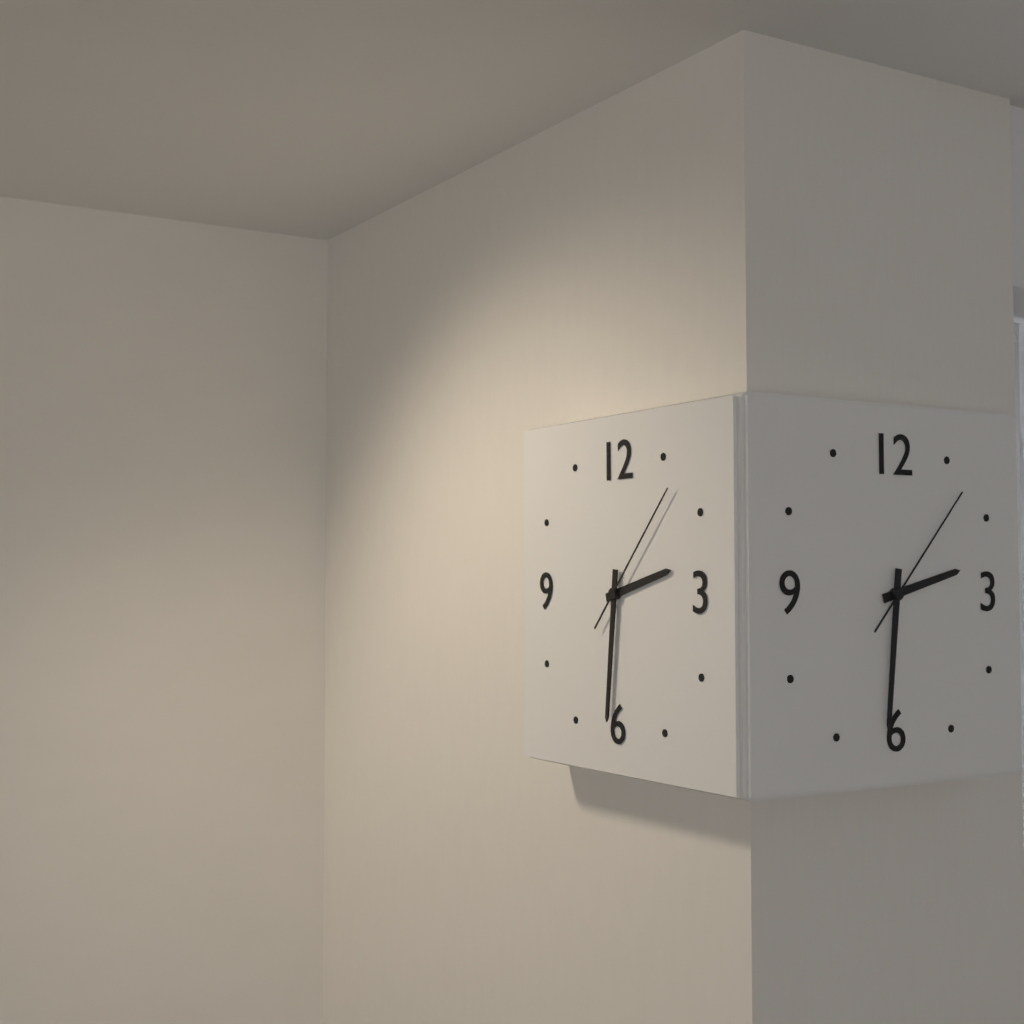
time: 2:31:07
